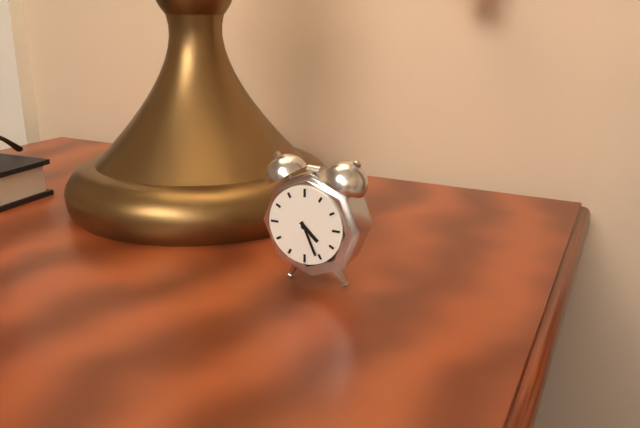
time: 4:26
